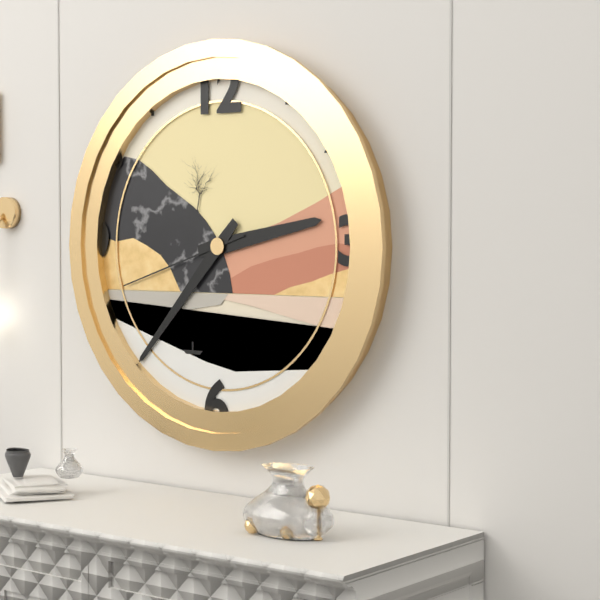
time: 2:37:42
